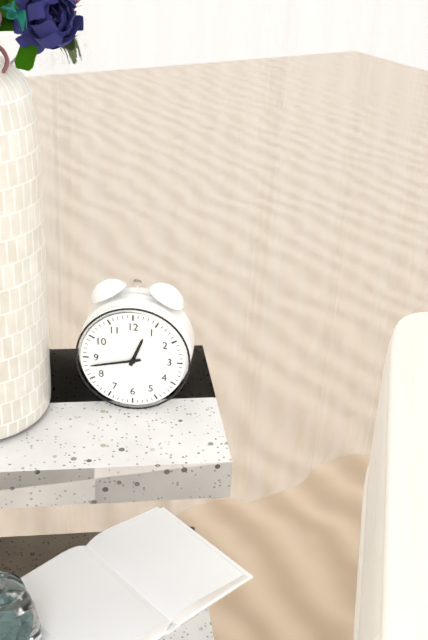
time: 12:43
